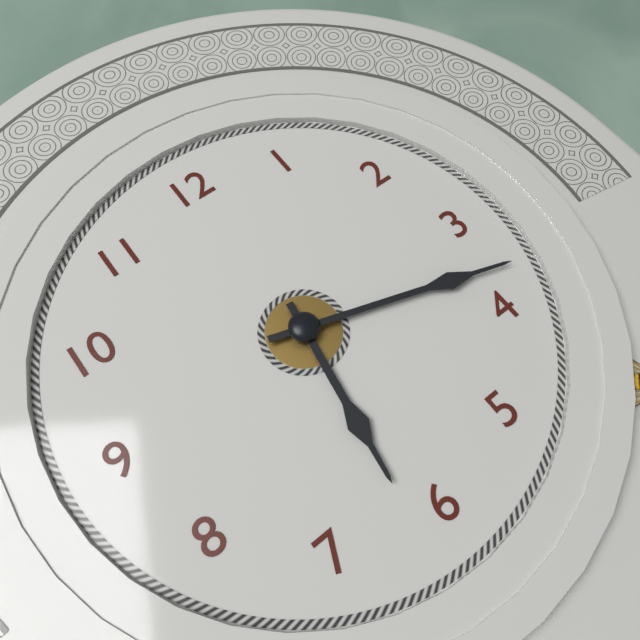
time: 6:18
